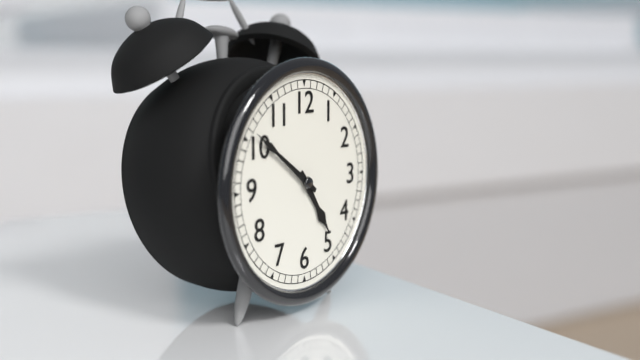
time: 4:51
